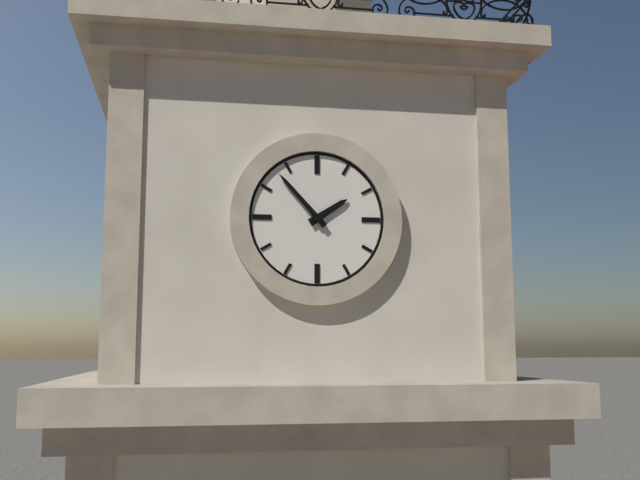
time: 1:53
